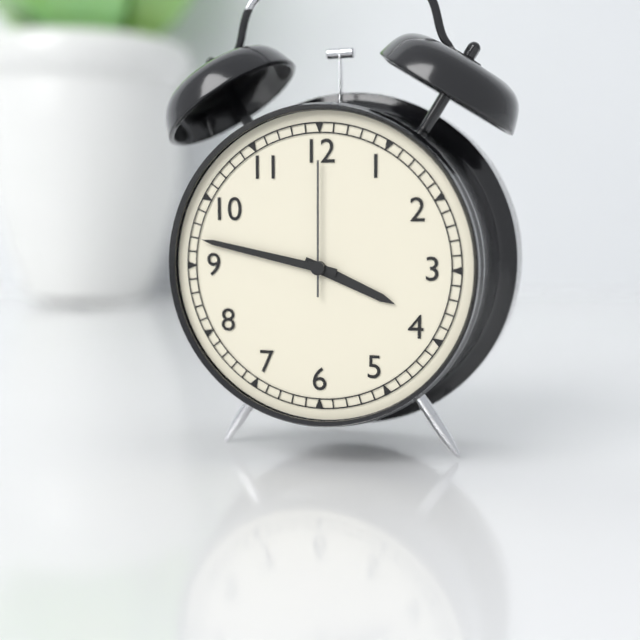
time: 3:47:00
